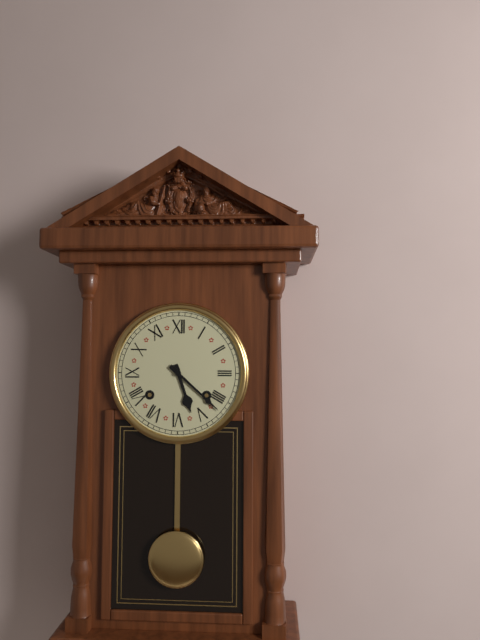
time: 5:22
